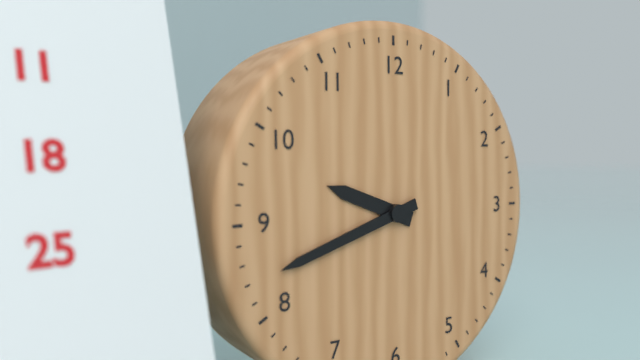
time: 9:42
